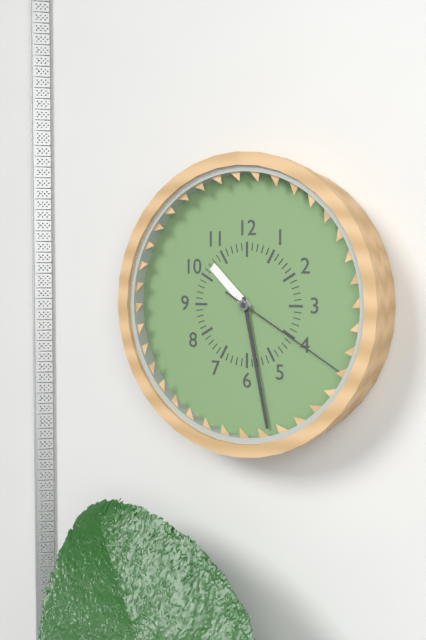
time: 10:28:20
